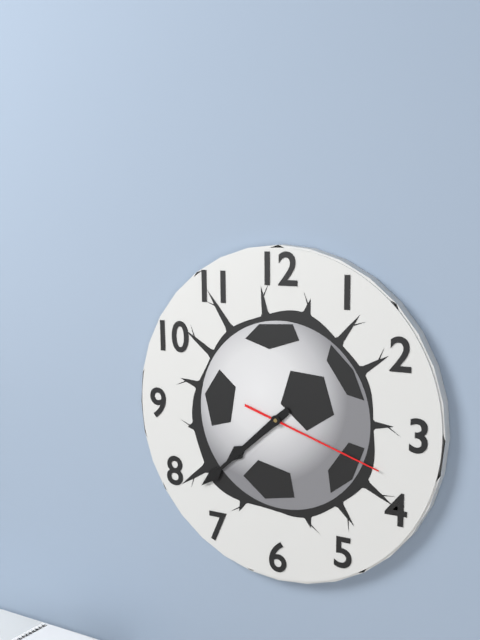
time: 7:38:18
